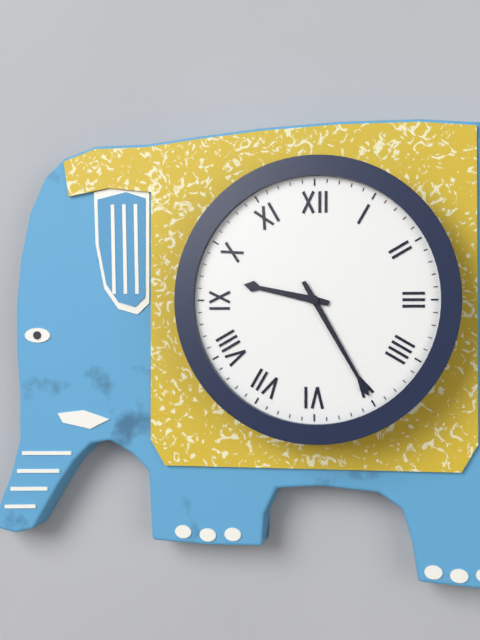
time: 9:25
